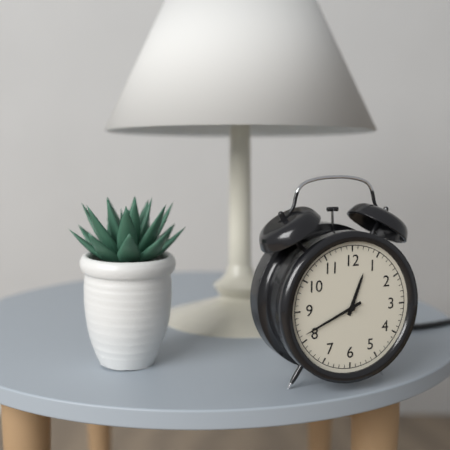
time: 12:41
